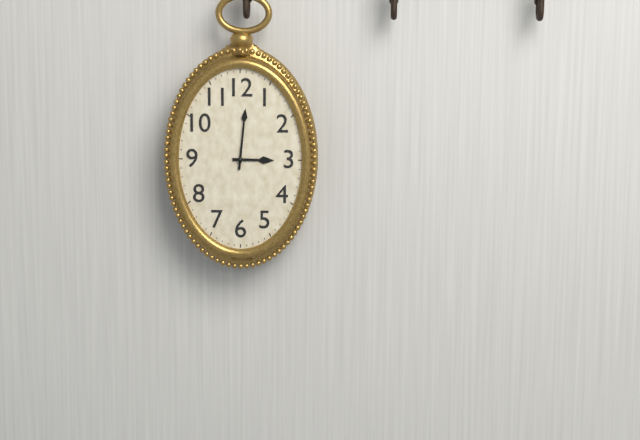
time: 3:01
